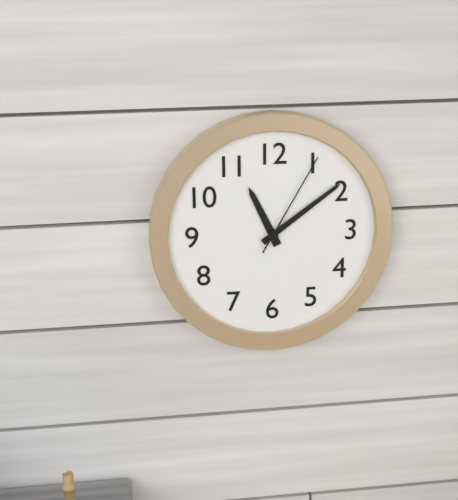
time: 11:09:05
